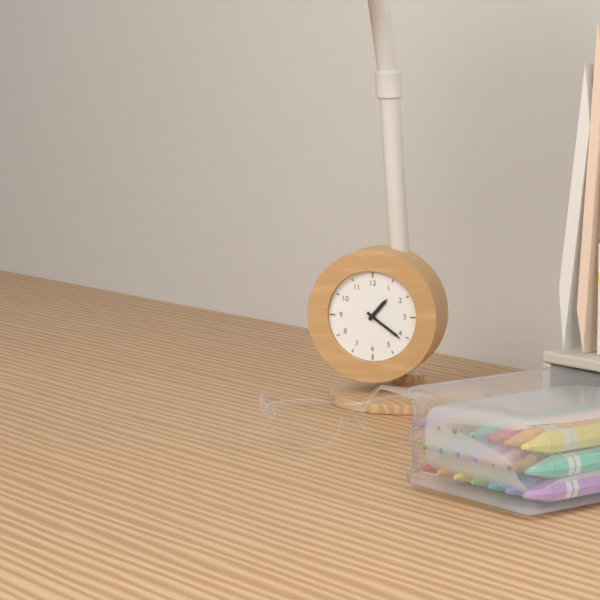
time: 1:21
